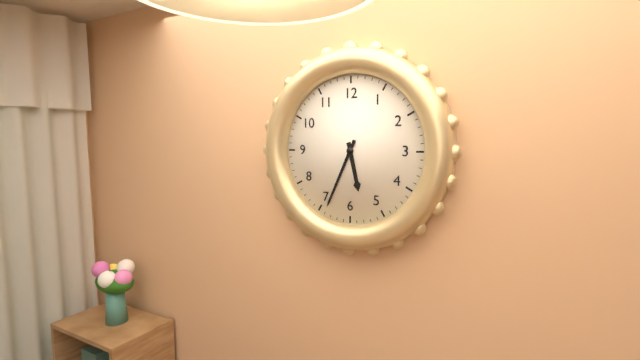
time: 5:34
